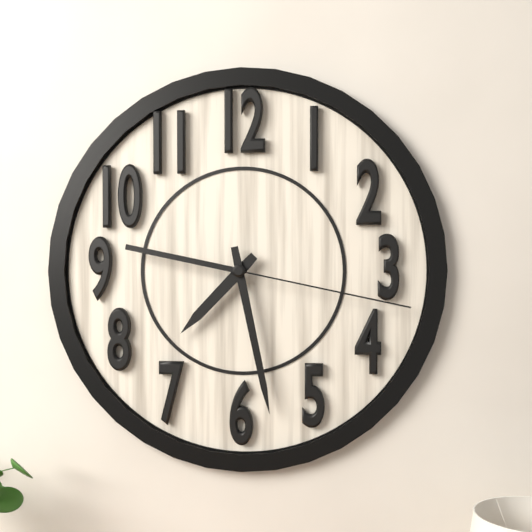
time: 7:28:17
